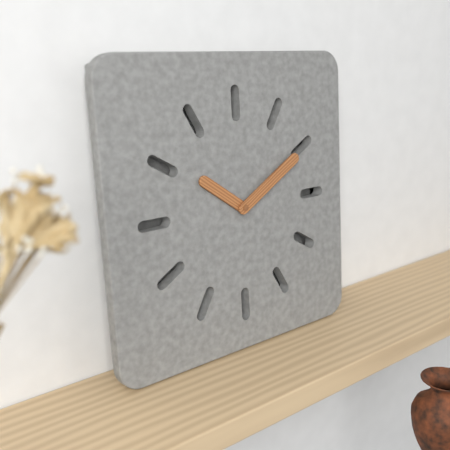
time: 10:10
